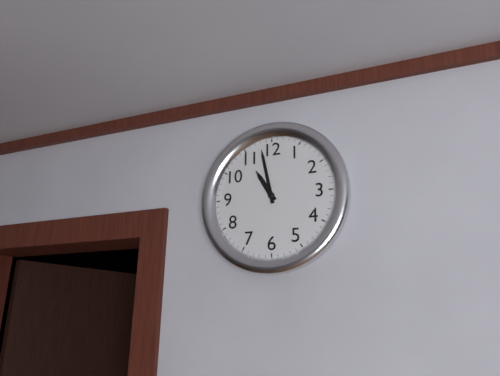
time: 10:58
